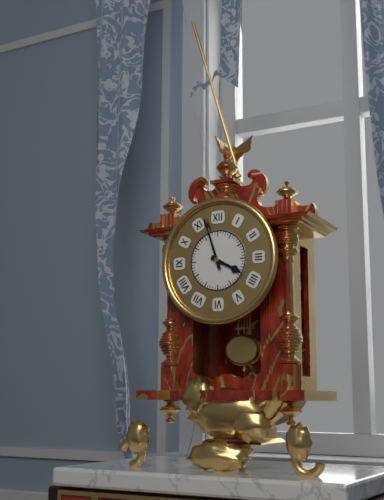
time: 3:57
